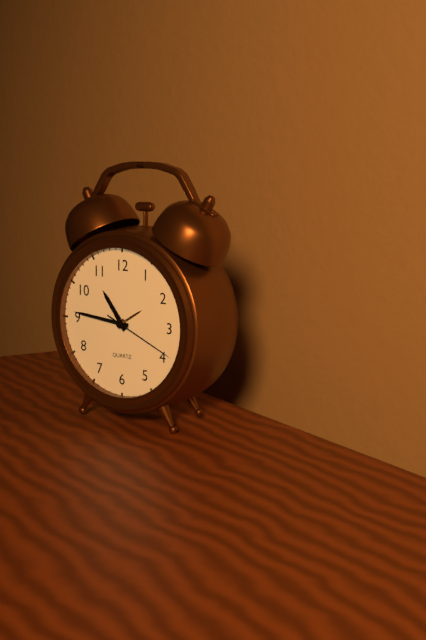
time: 10:46:19
